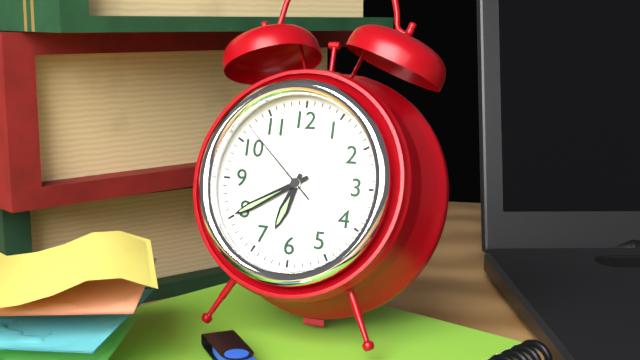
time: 6:40:52
